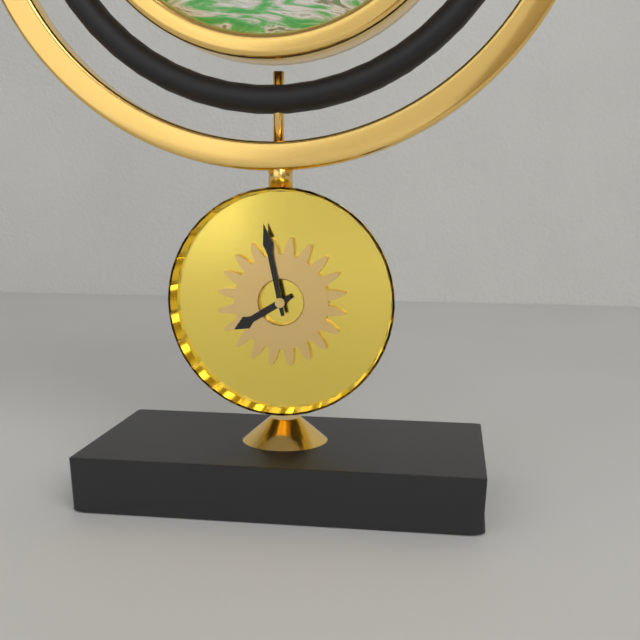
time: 7:58
